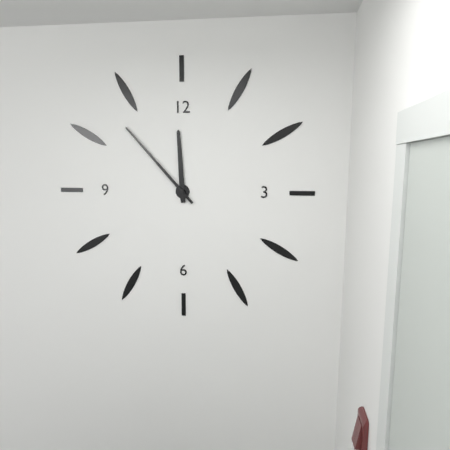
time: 11:53
